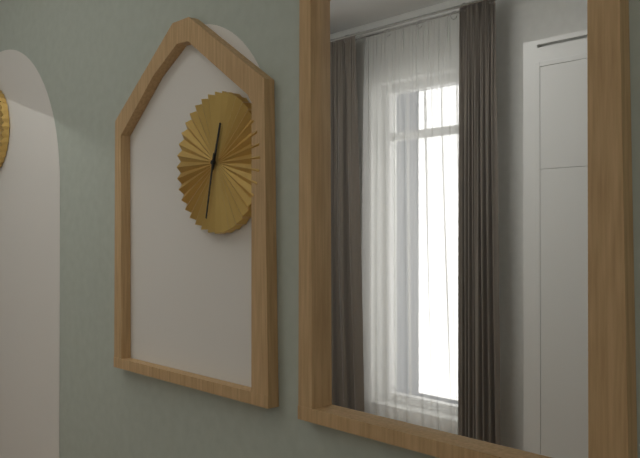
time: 12:32
